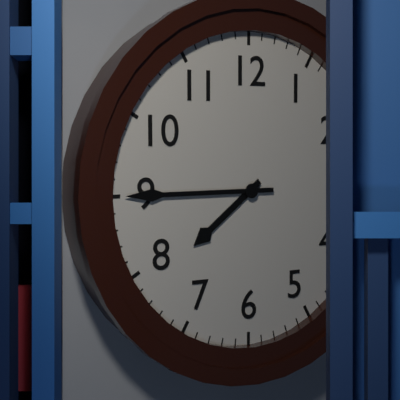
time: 7:45
